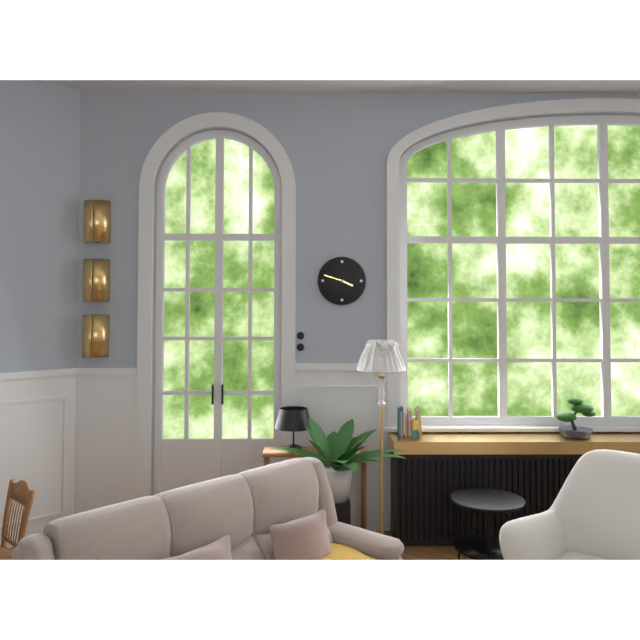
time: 3:48
